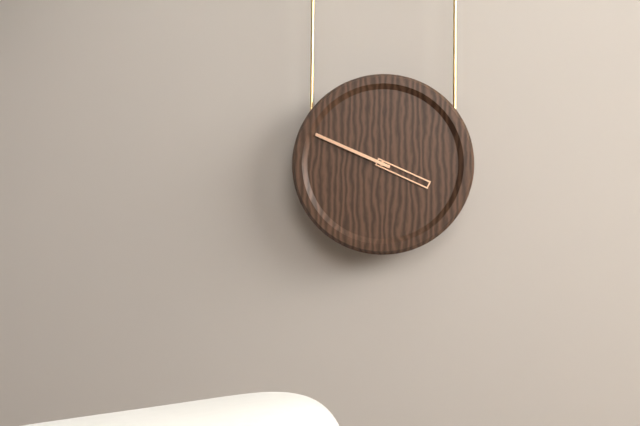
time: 3:49
